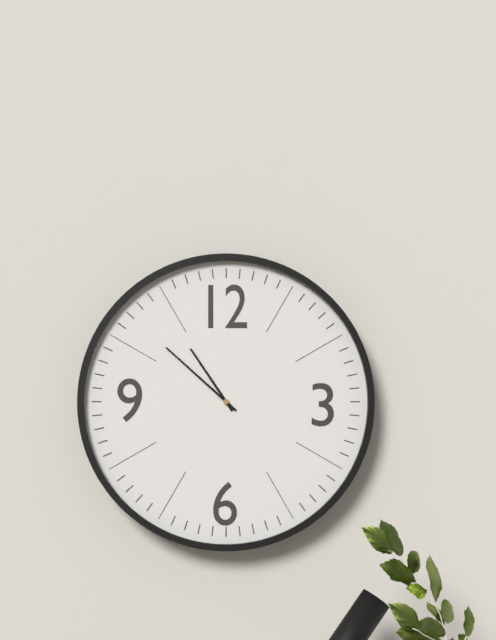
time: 10:52
